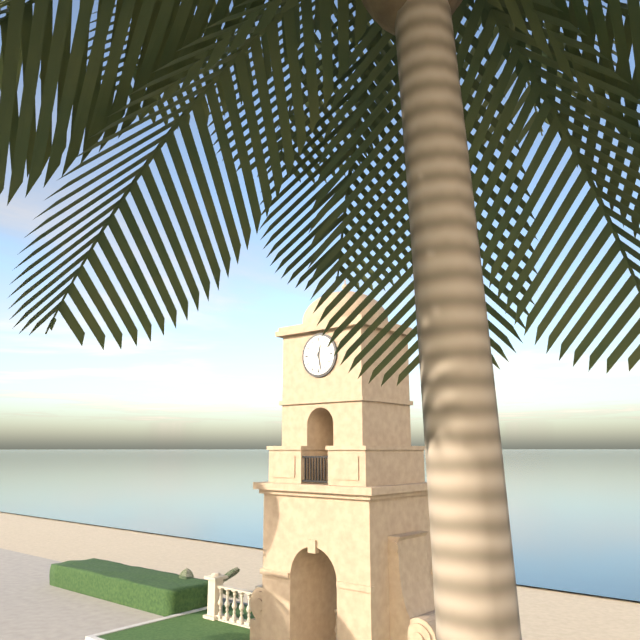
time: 12:28
